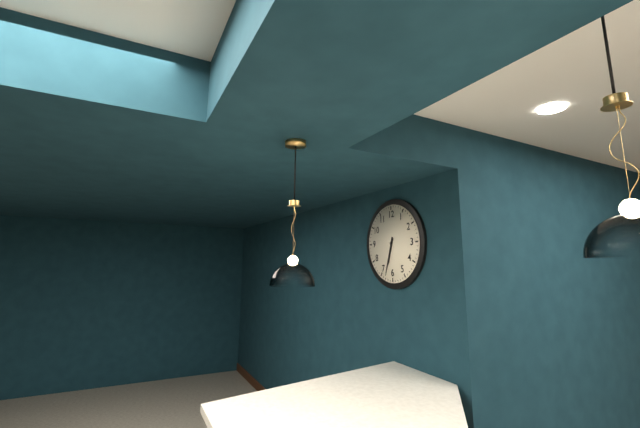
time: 6:33
